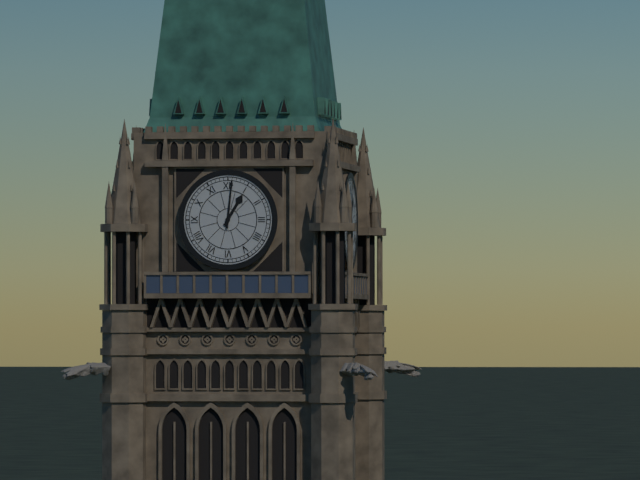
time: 1:01
